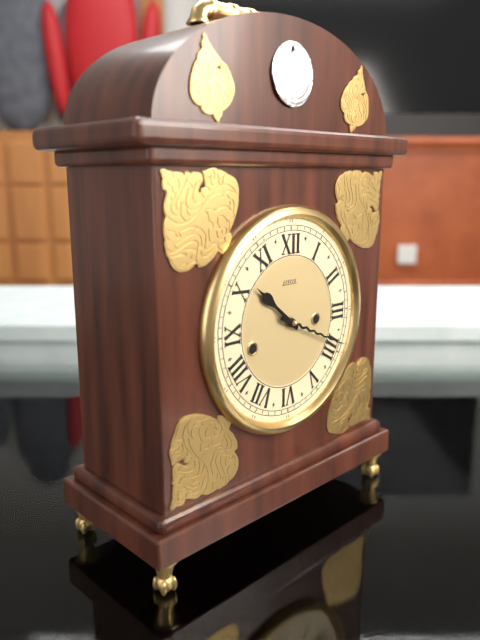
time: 10:19
